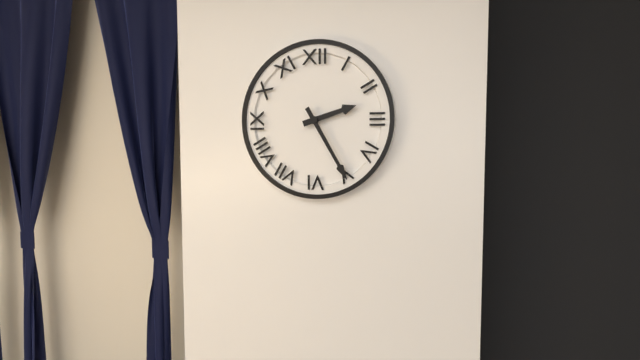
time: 2:25
